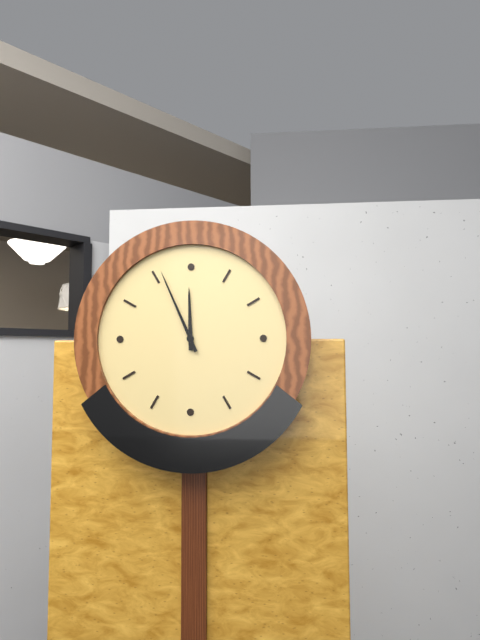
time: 11:56
